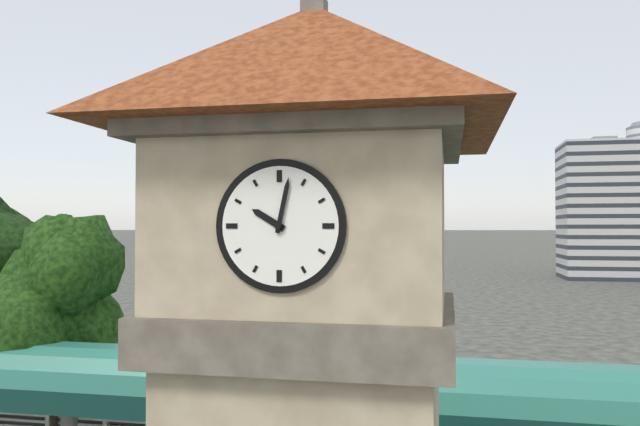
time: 10:02
